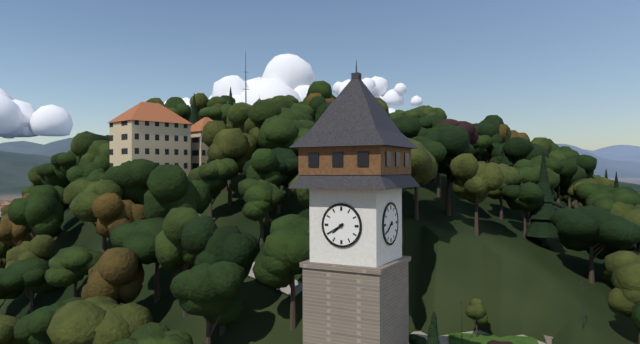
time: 7:40
